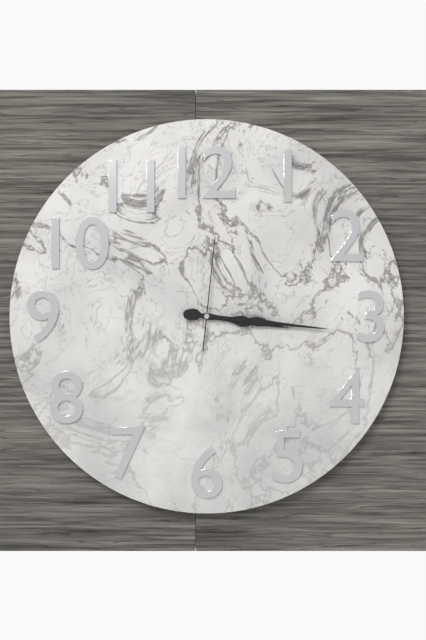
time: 3:16:01
